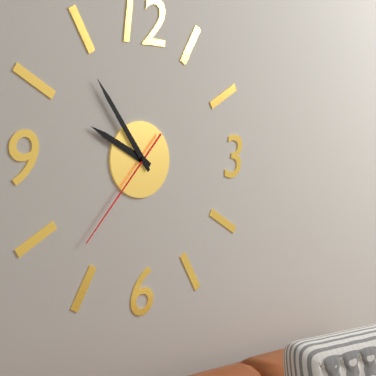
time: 9:54:37
